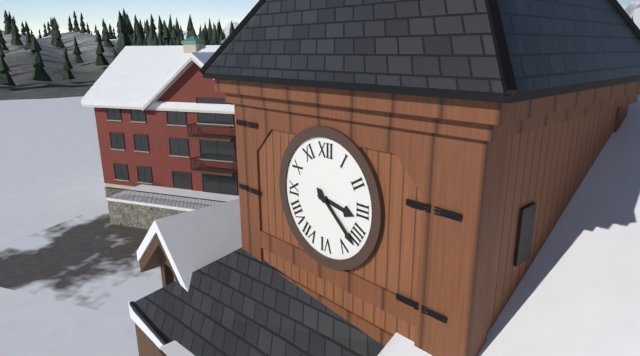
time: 3:22
